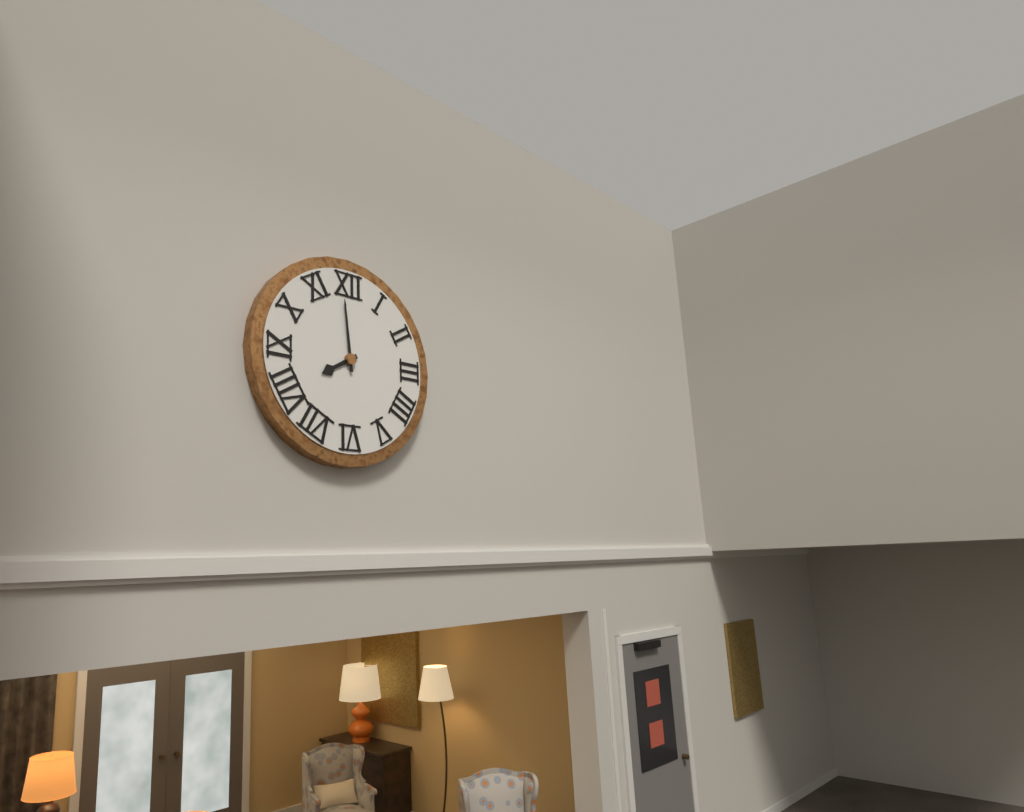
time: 7:59
